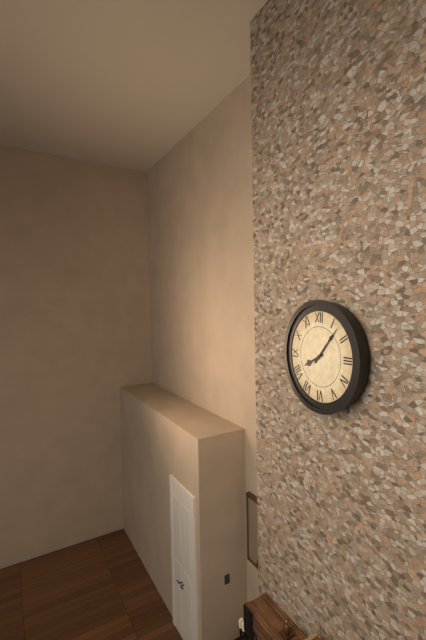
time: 8:07
